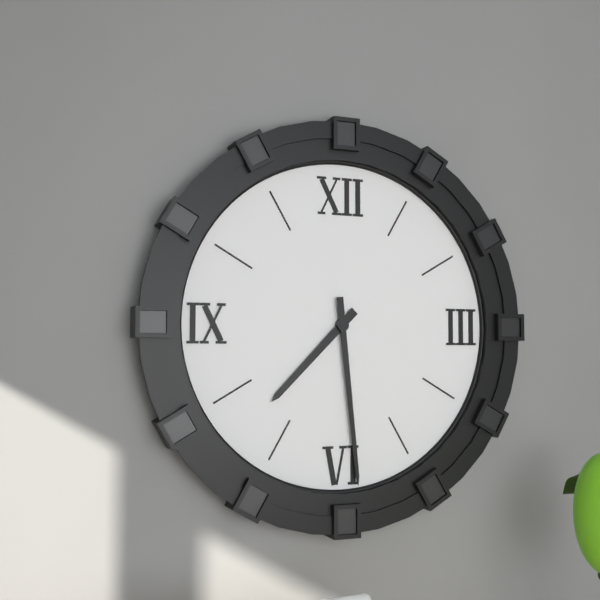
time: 7:29
